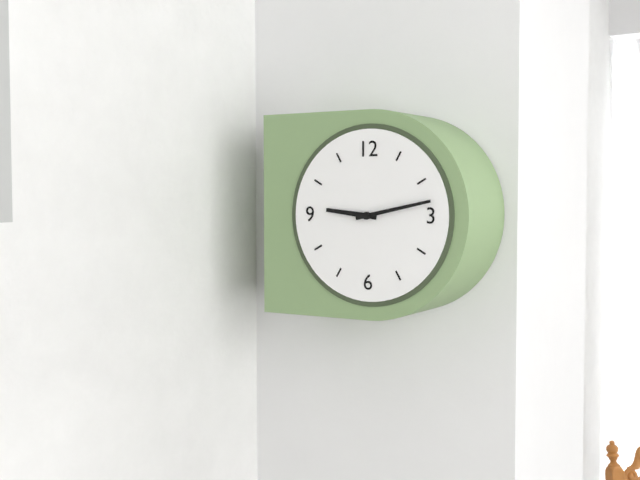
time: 9:13
